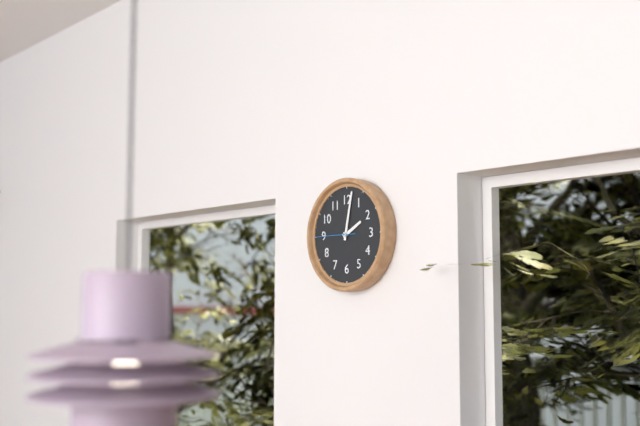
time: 2:02
